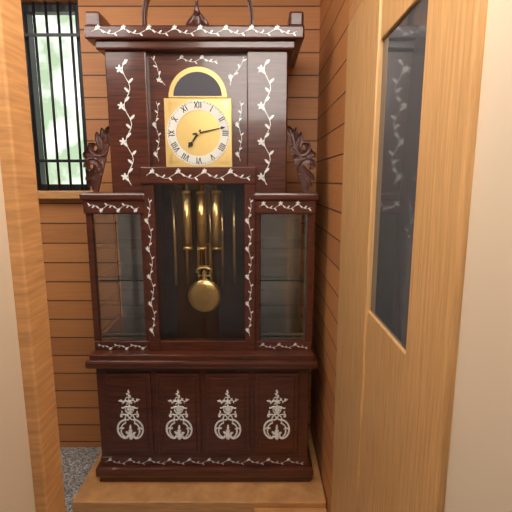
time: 7:13
